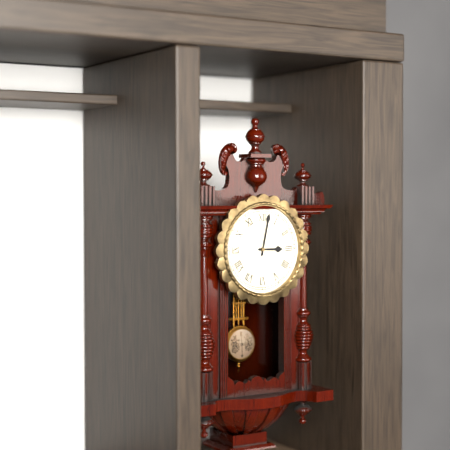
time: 3:02
